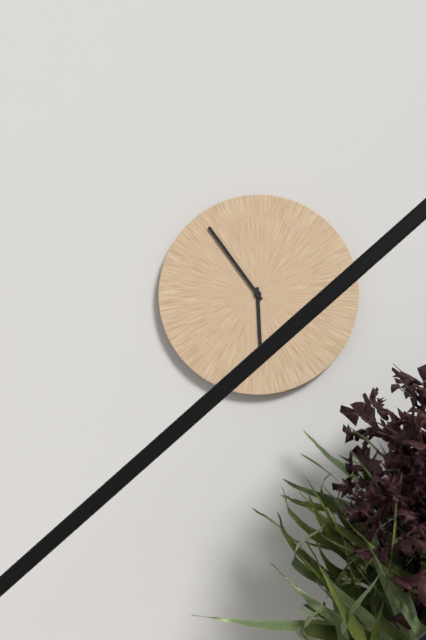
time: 5:54
